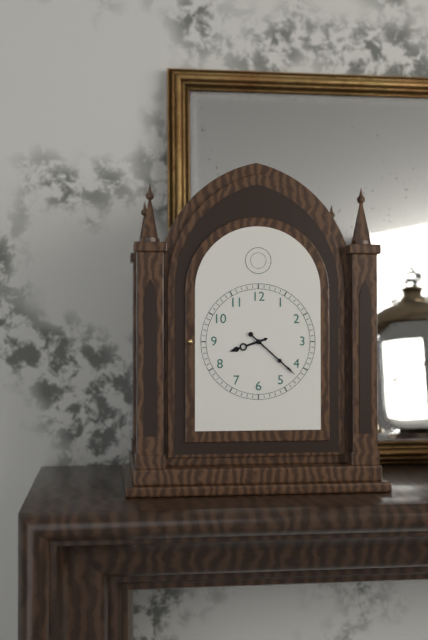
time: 8:22
